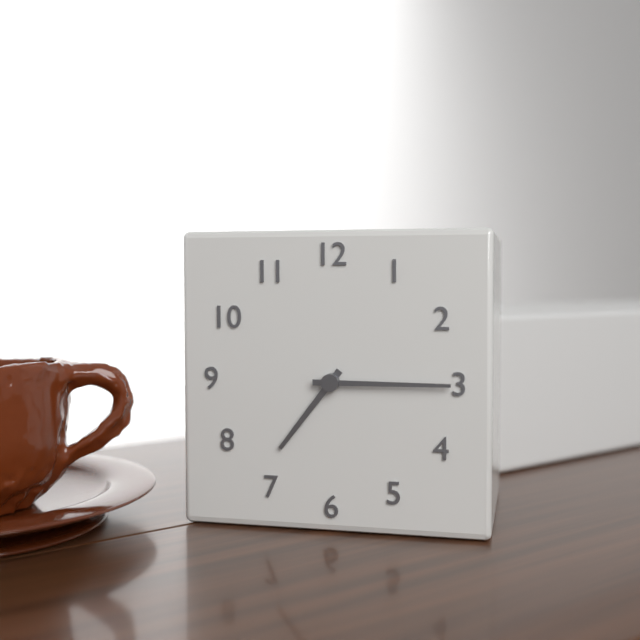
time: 7:15
